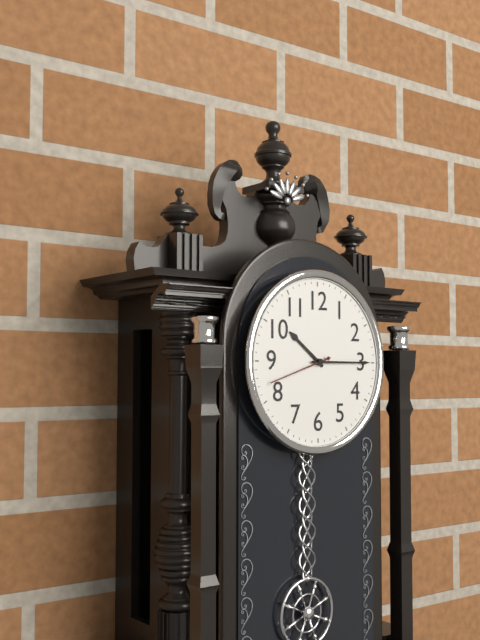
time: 10:15:42
